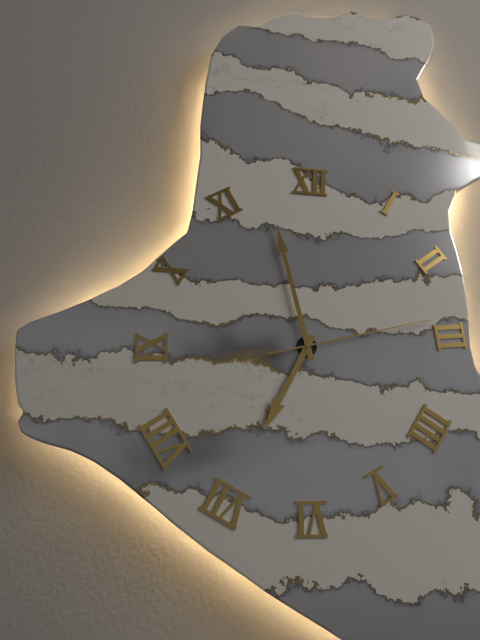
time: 6:58:13
